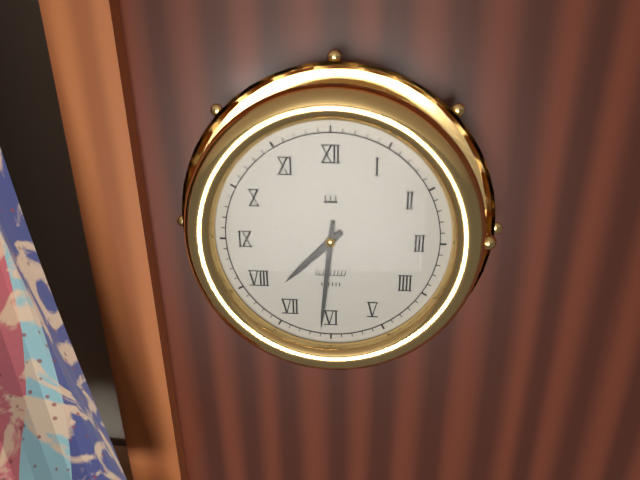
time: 7:31
